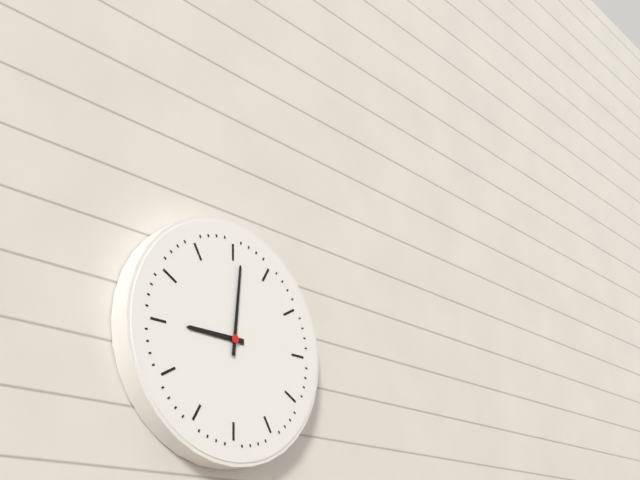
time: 9:01
